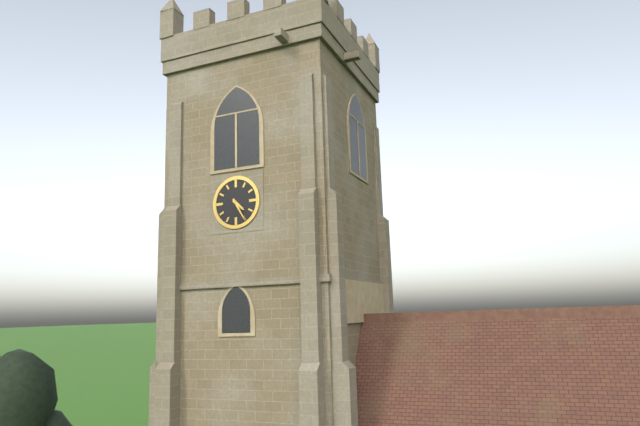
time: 4:25
